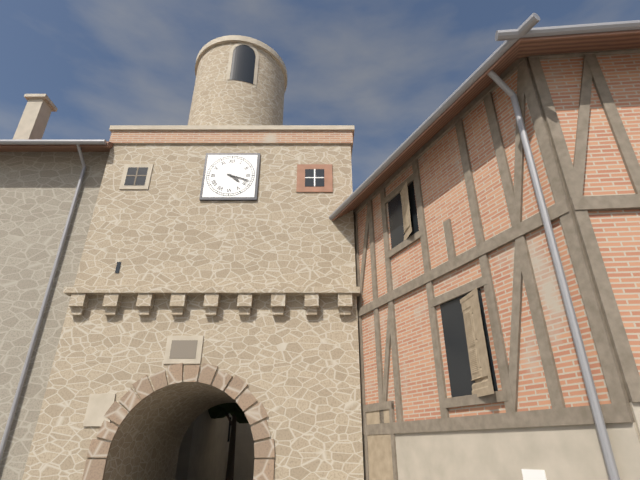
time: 4:18
